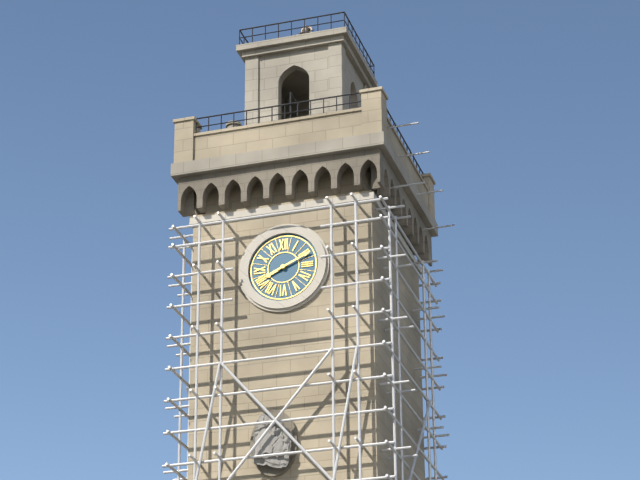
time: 8:11
